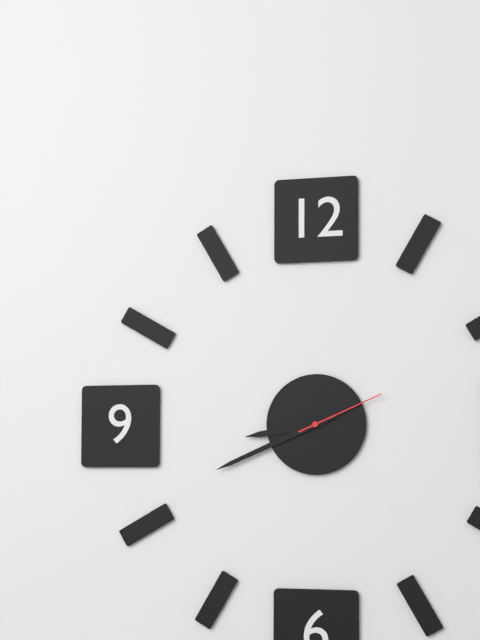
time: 8:41:11
